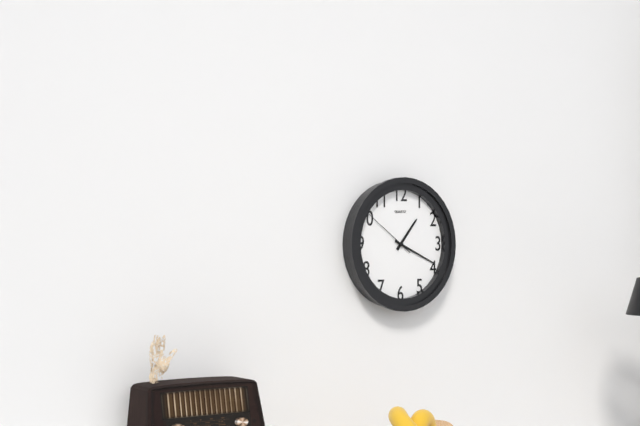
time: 1:19:51
